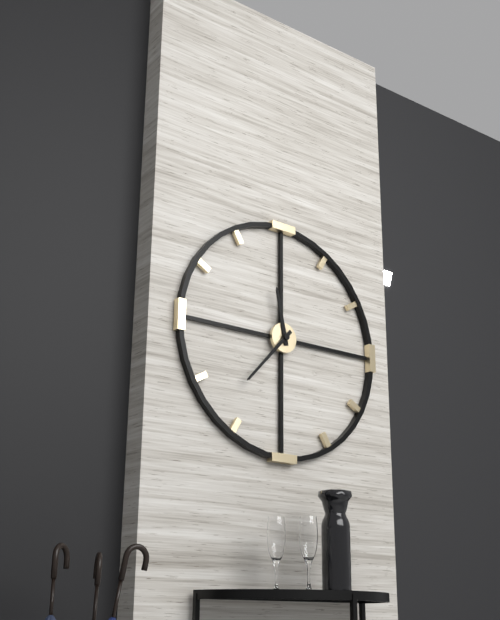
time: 11:37
